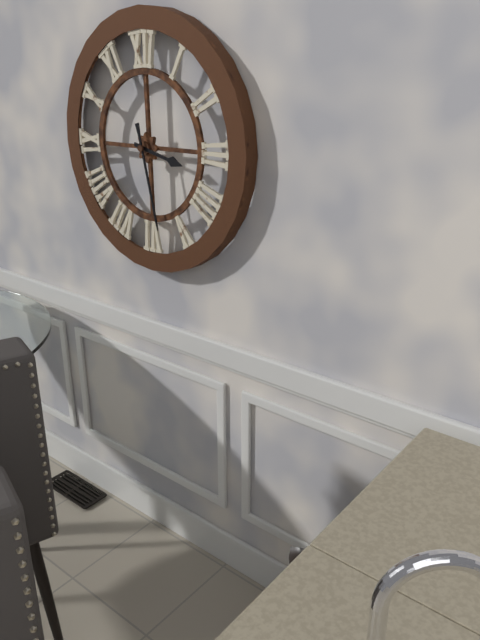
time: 3:28
